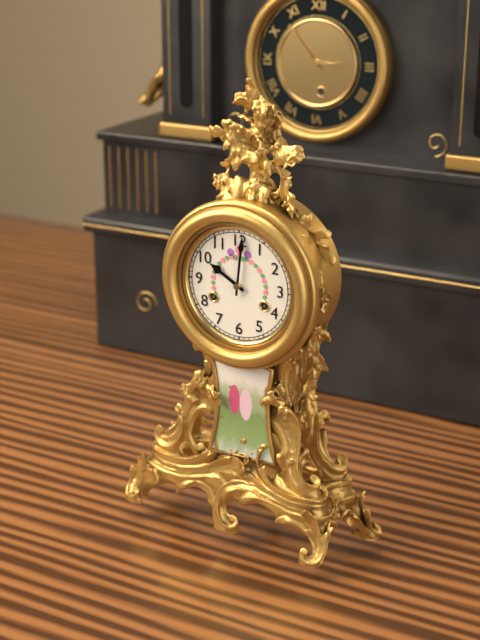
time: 10:01
